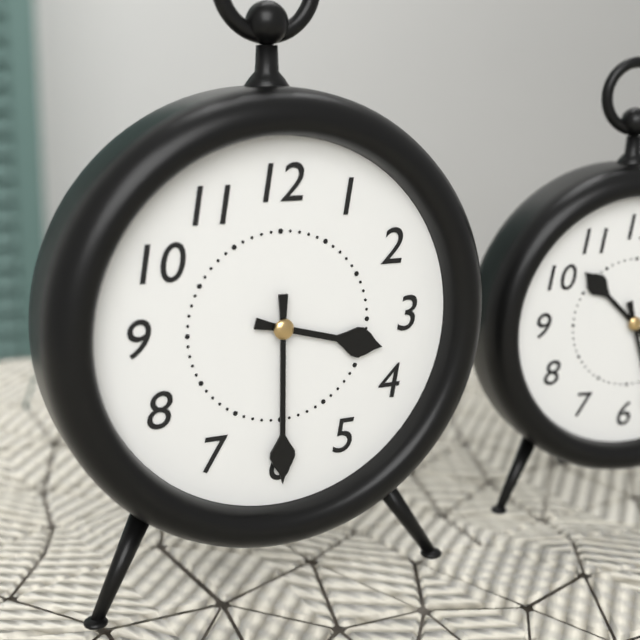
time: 3:30
